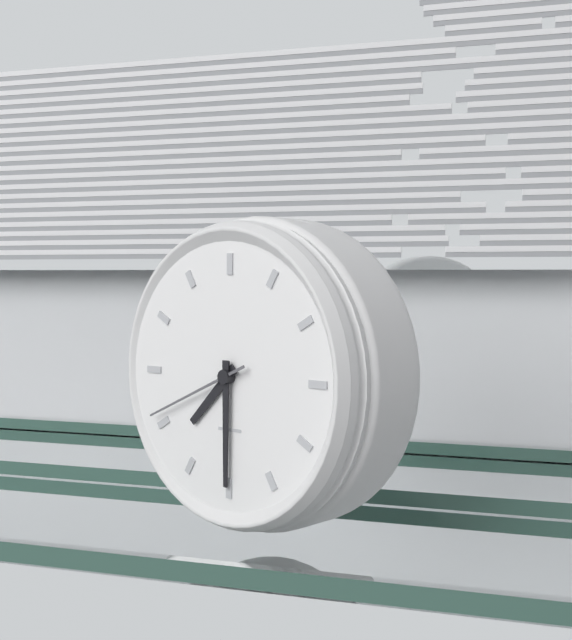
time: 7:30:41
